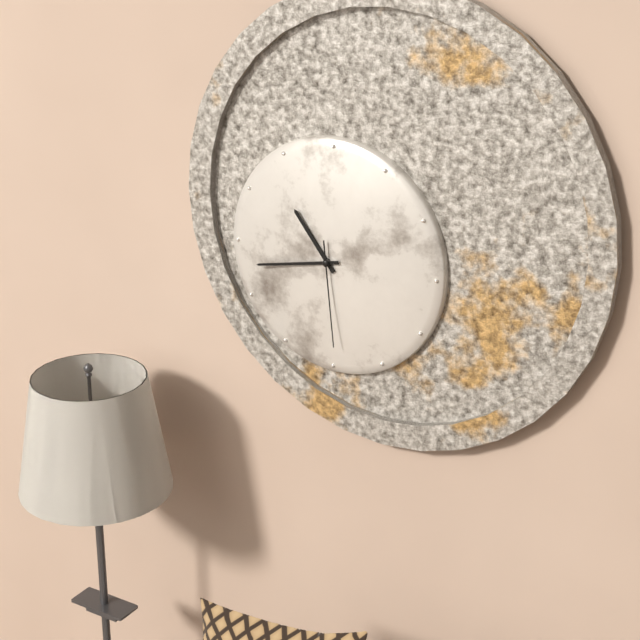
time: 10:43:29
